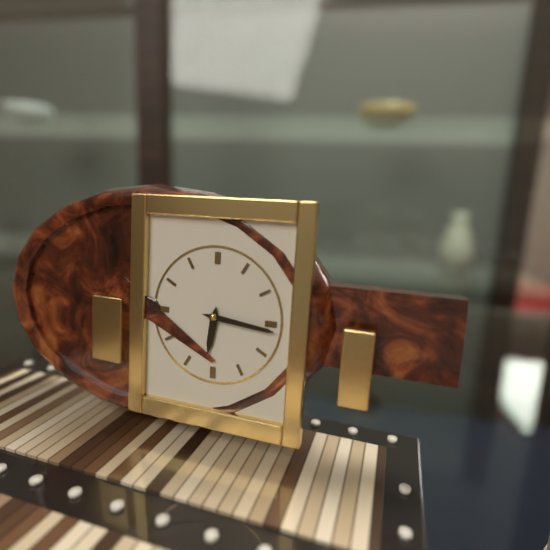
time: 6:16
